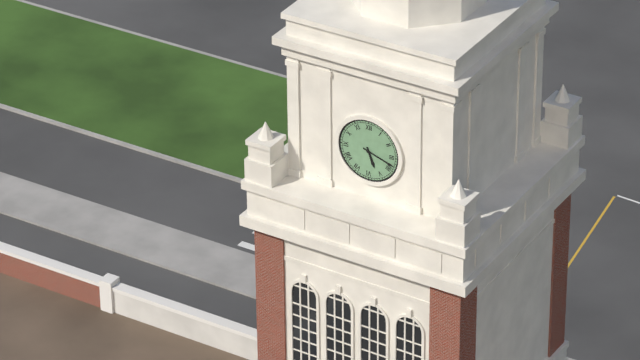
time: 5:18
